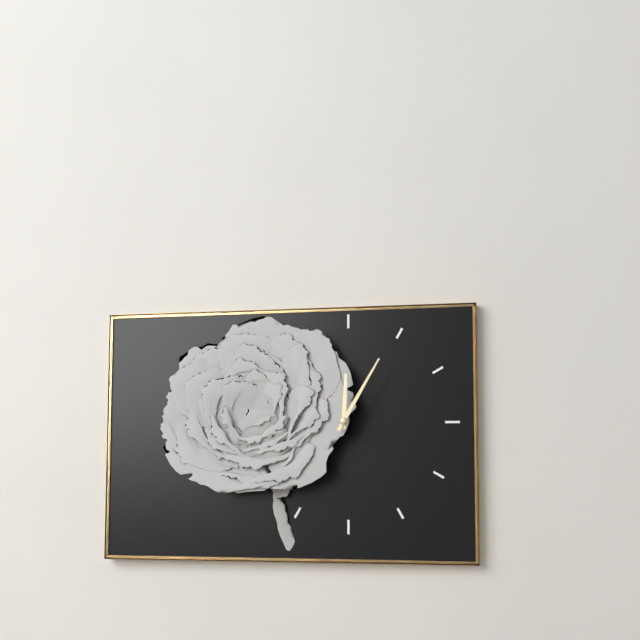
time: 12:05
